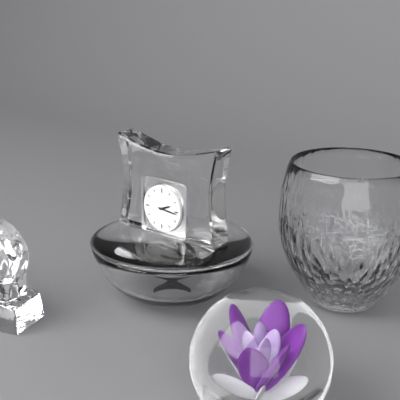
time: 2:16
